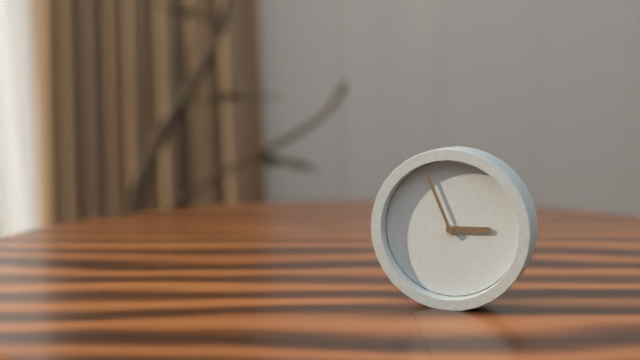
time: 2:56
